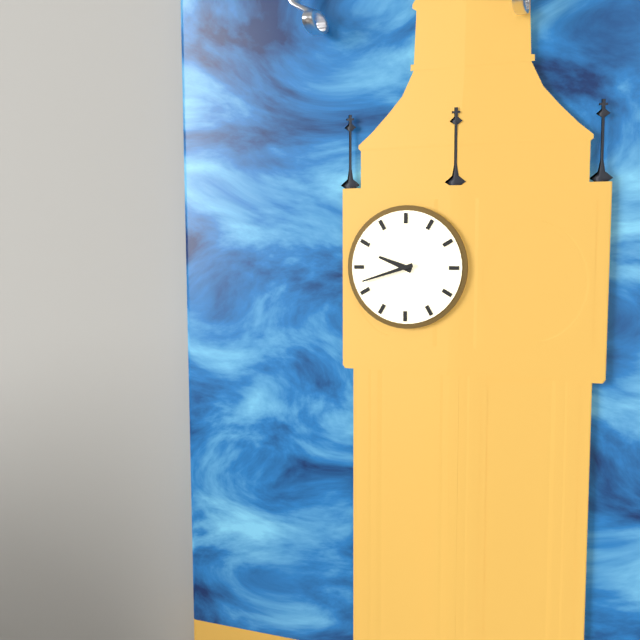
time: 9:42
